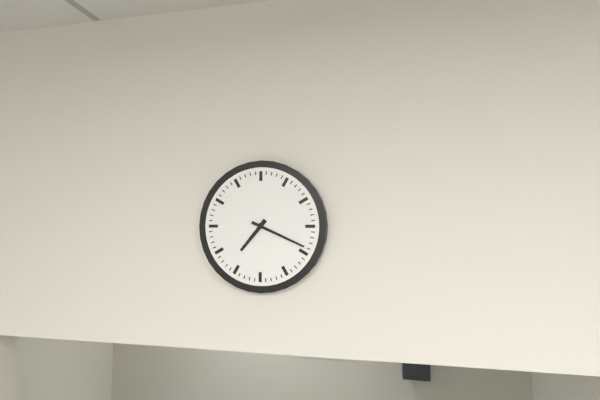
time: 7:19
